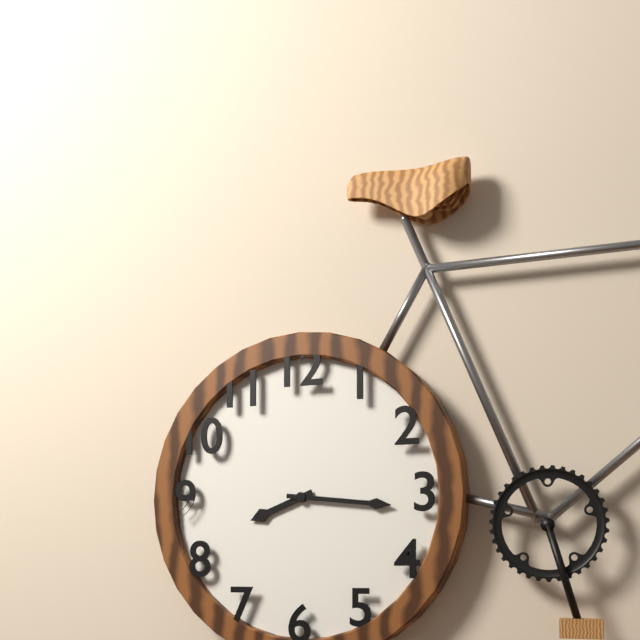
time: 8:16
